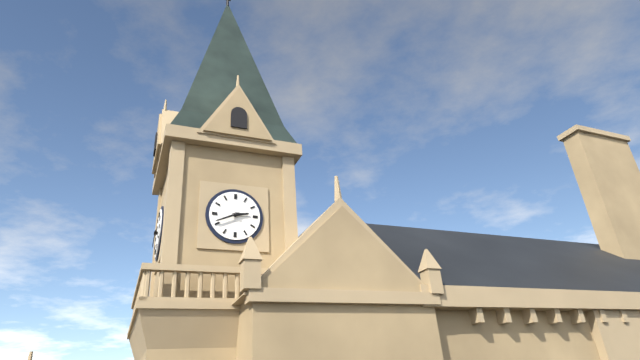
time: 2:41
